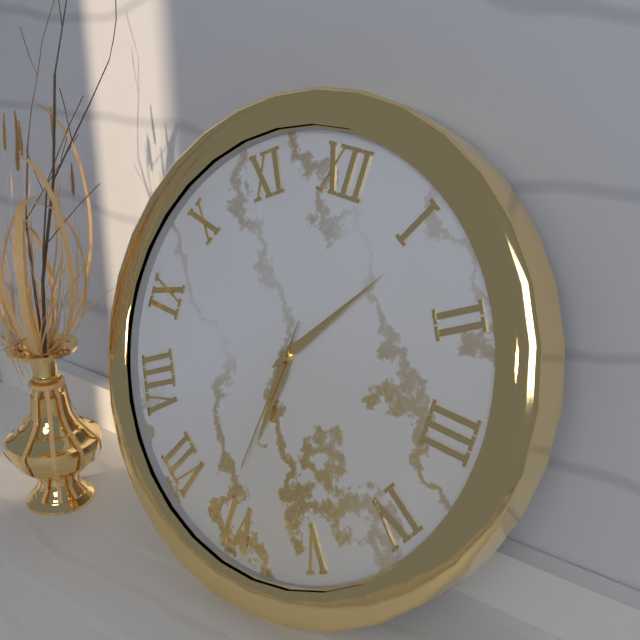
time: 6:06:31
